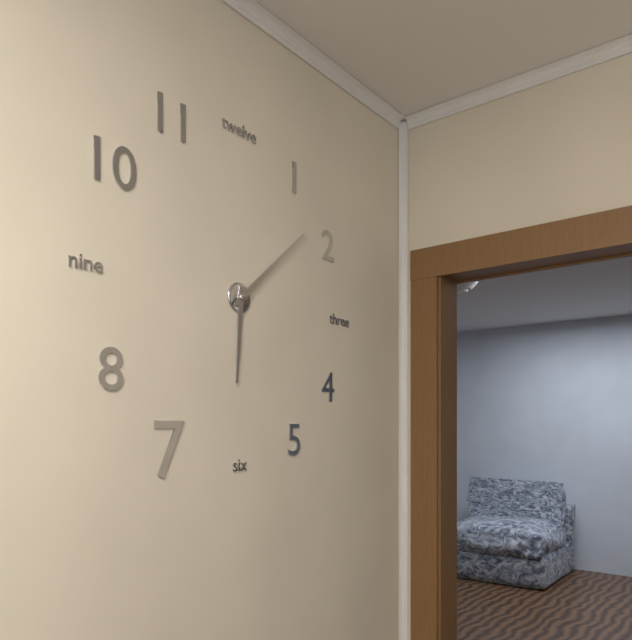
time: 6:08
